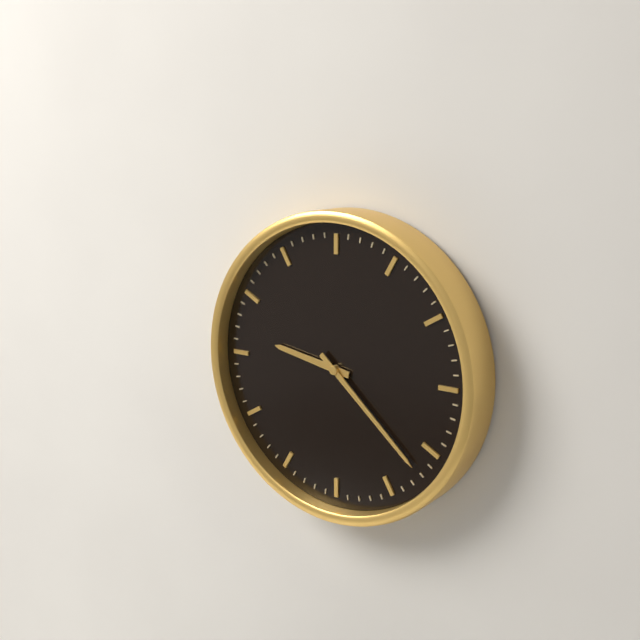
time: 9:22
